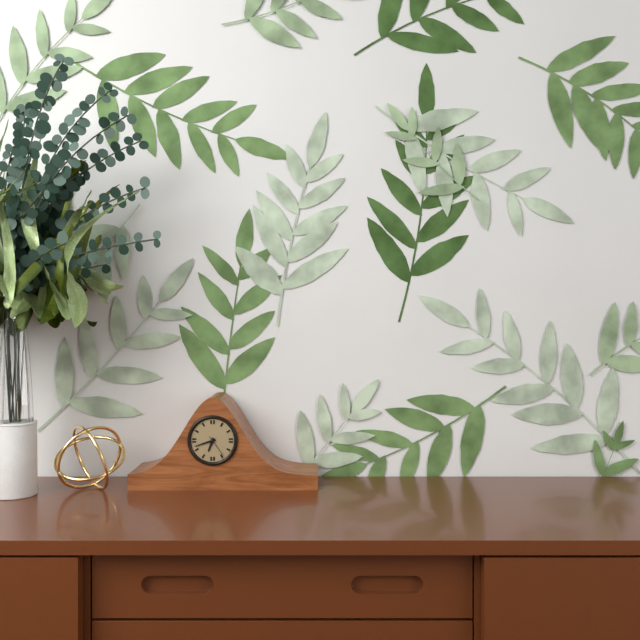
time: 6:42
